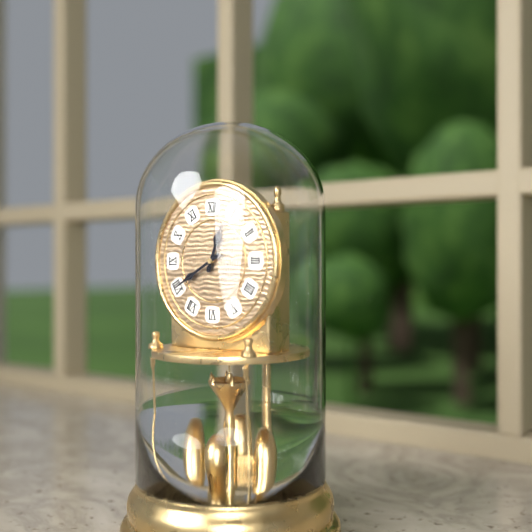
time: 12:40
